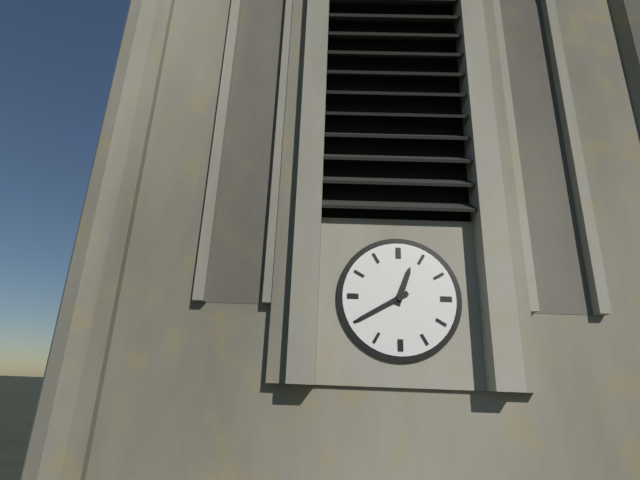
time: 12:40
